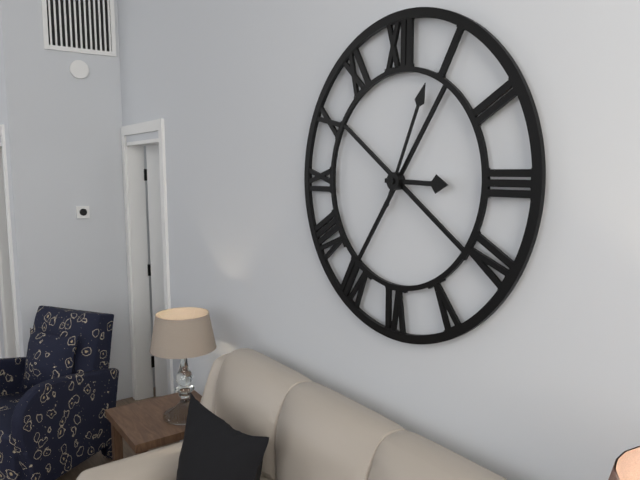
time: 3:04
